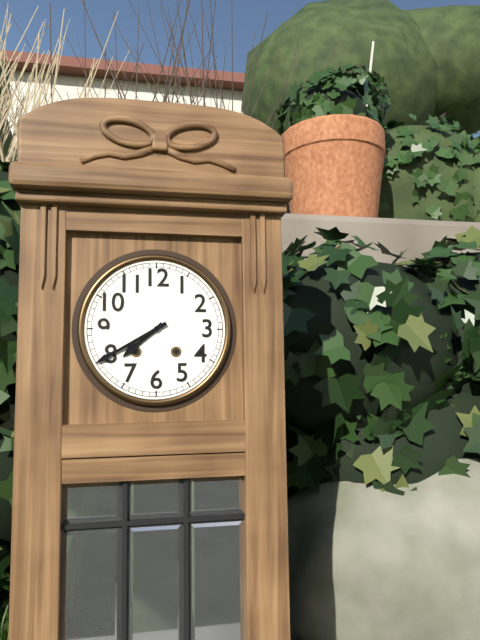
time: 7:40
